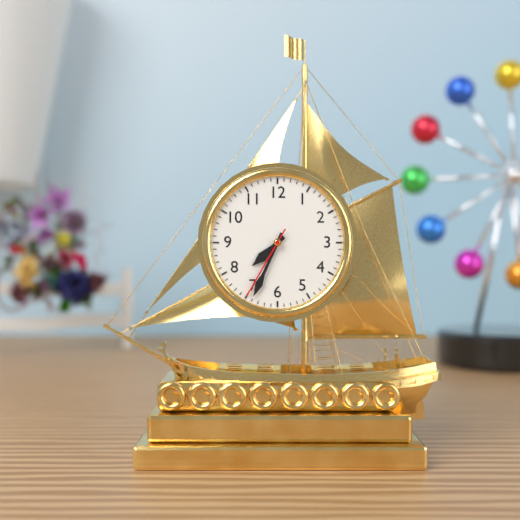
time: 7:34:35
